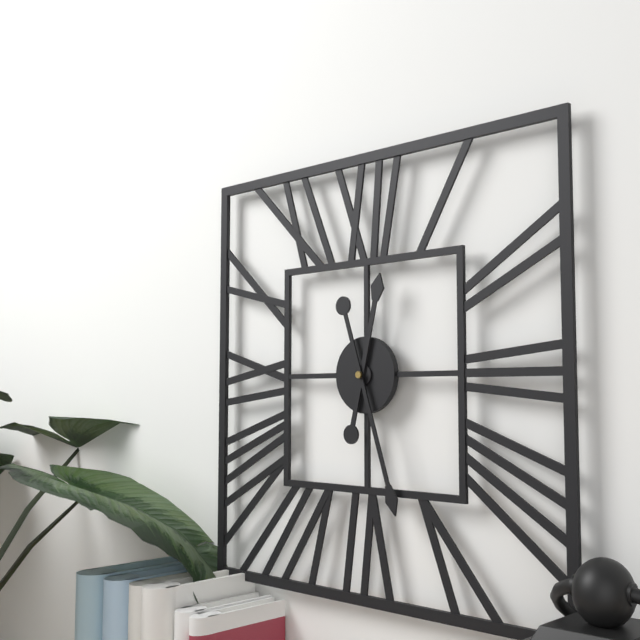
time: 12:27
